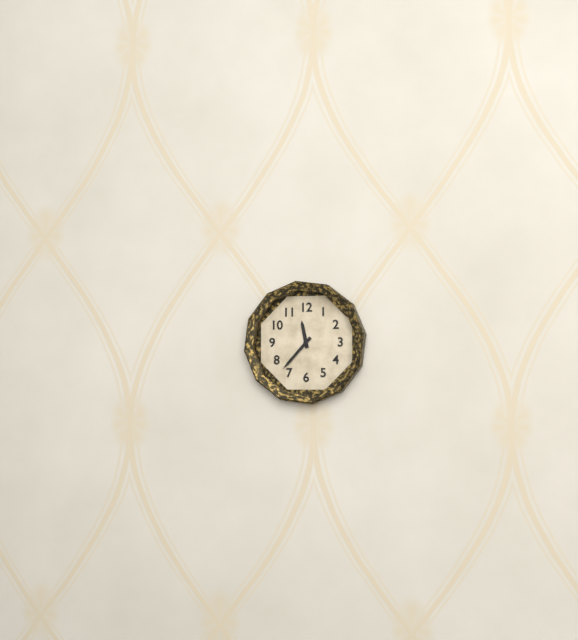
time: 11:37
